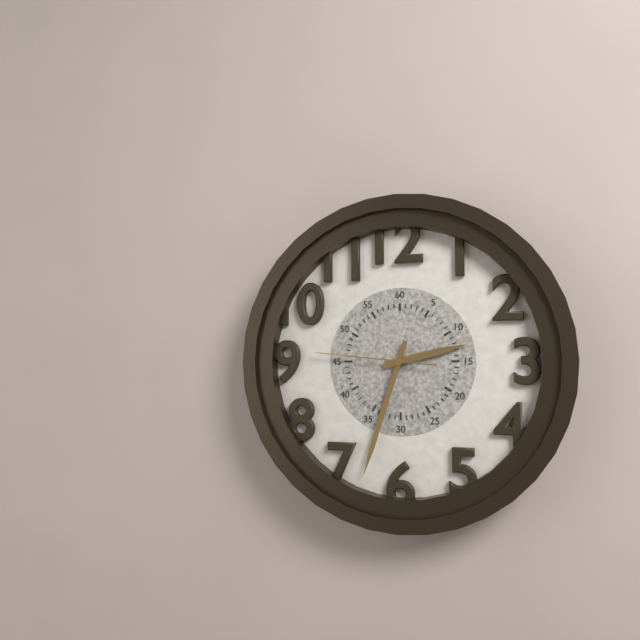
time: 2:33:46
